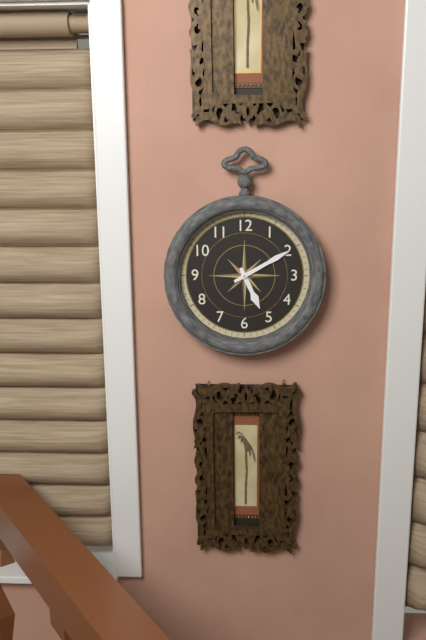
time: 5:10
